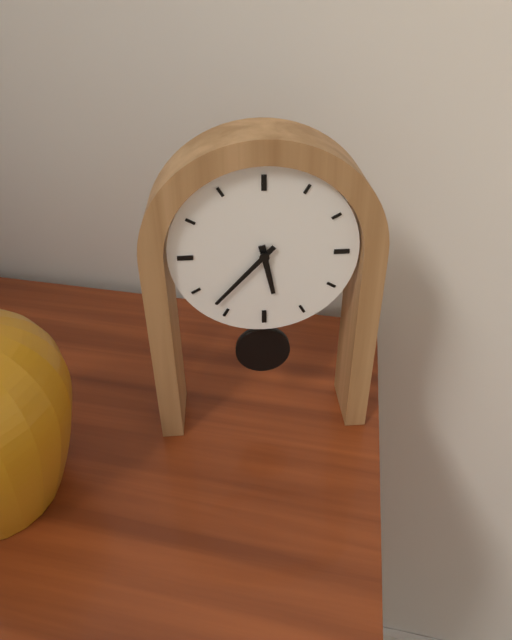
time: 5:37
